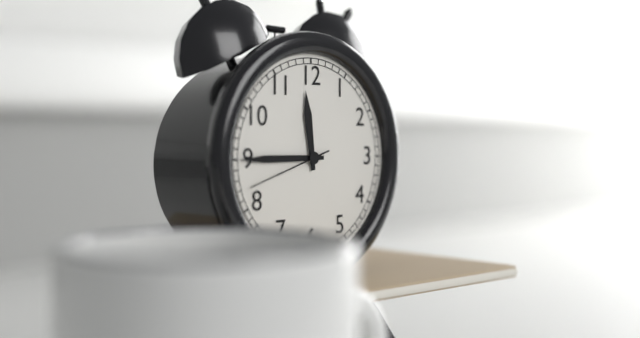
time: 11:45:42
